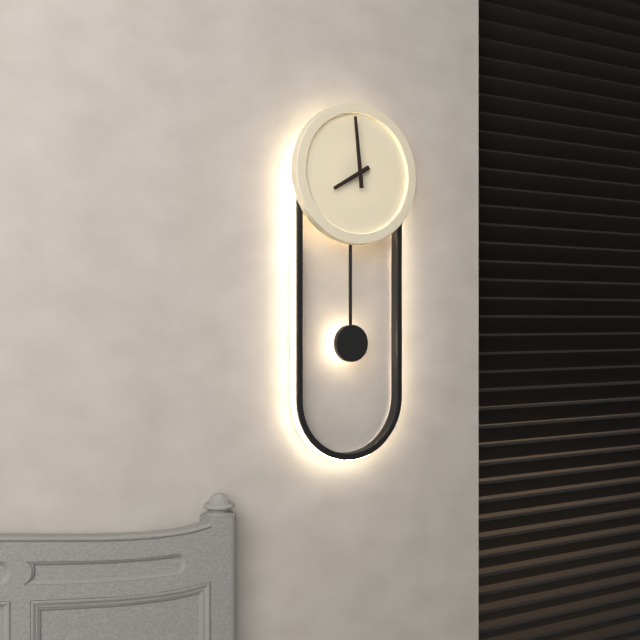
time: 7:59
